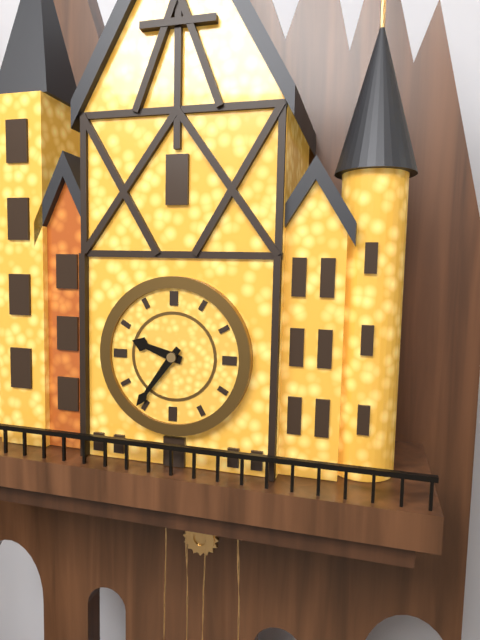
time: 9:36
